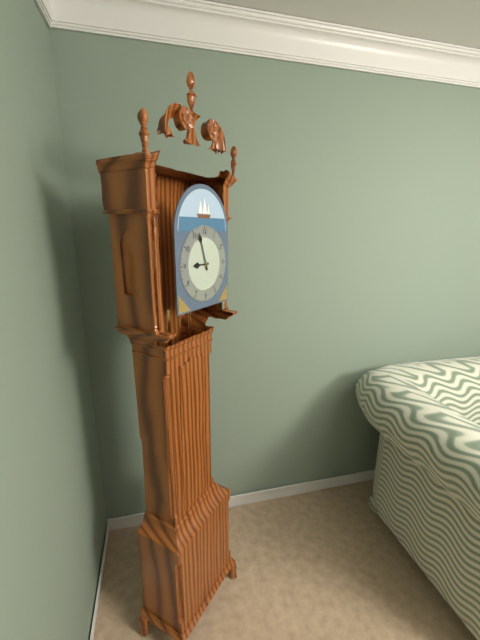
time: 8:57
